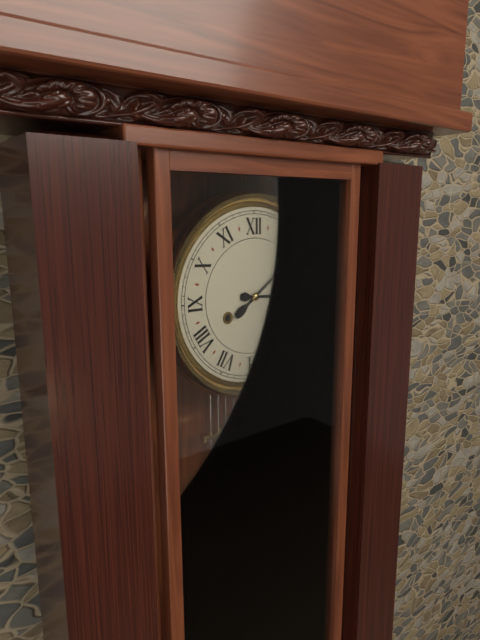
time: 3:09
